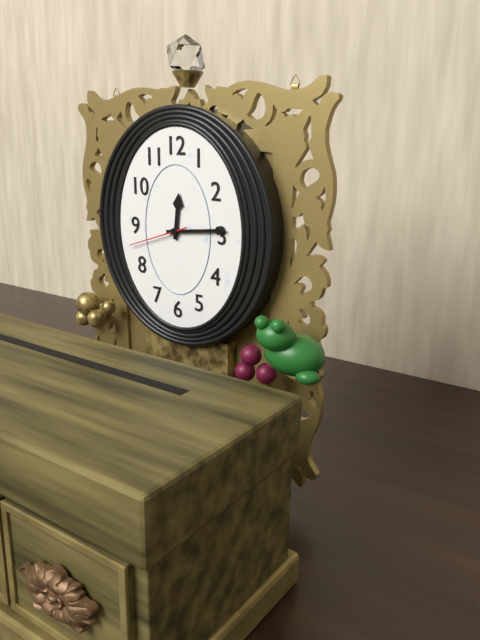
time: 12:14:42
